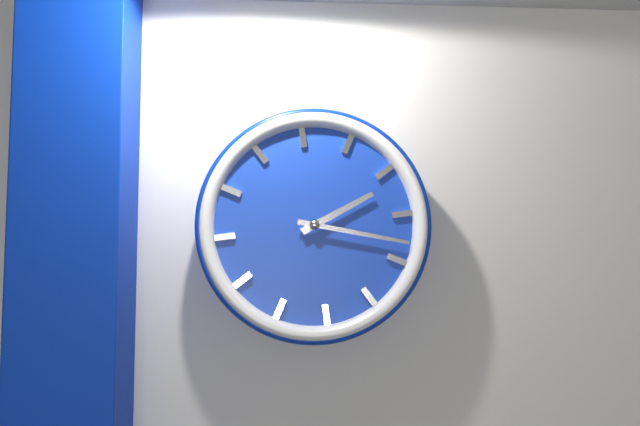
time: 2:18
